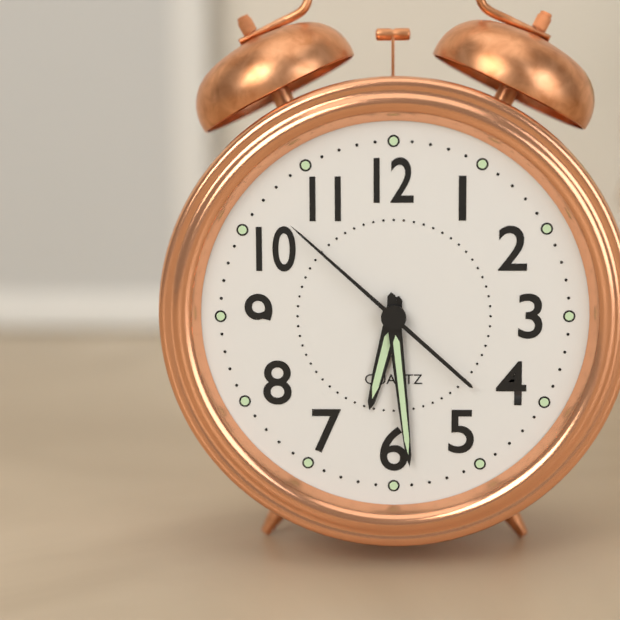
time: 6:29:52
